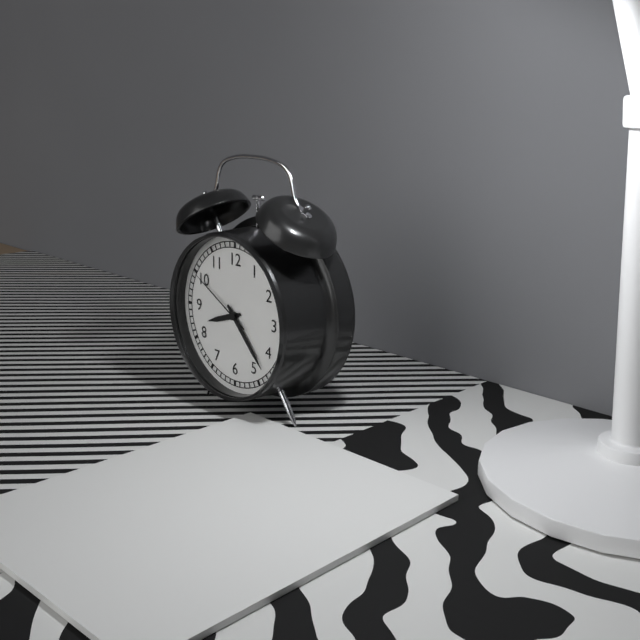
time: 8:23:50
